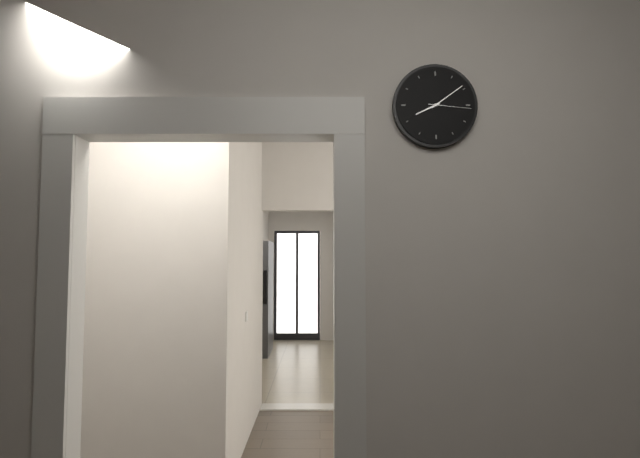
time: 8:09
